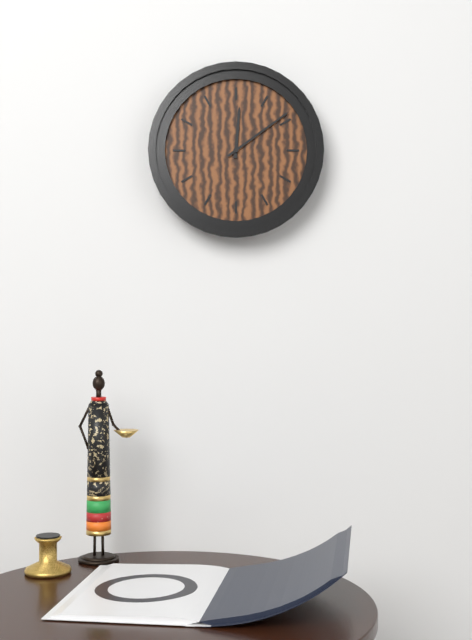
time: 12:09
